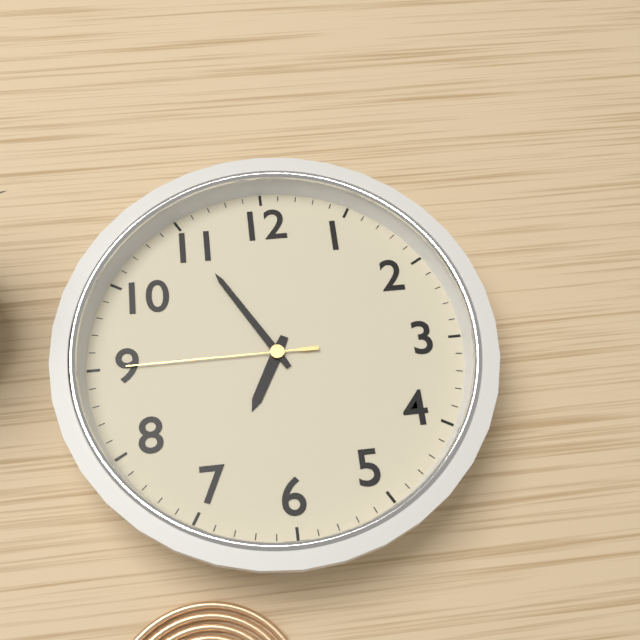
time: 6:55:45
